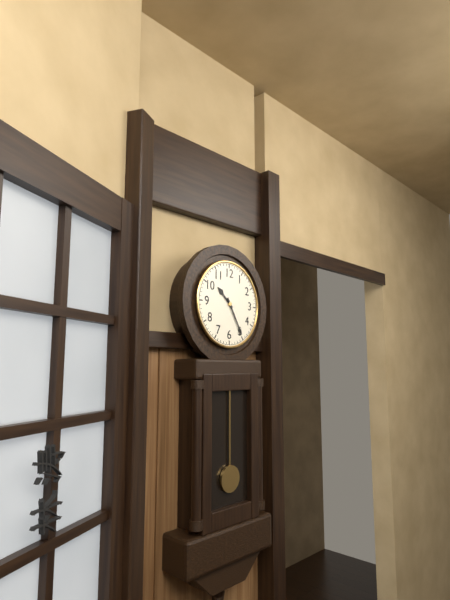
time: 10:25
